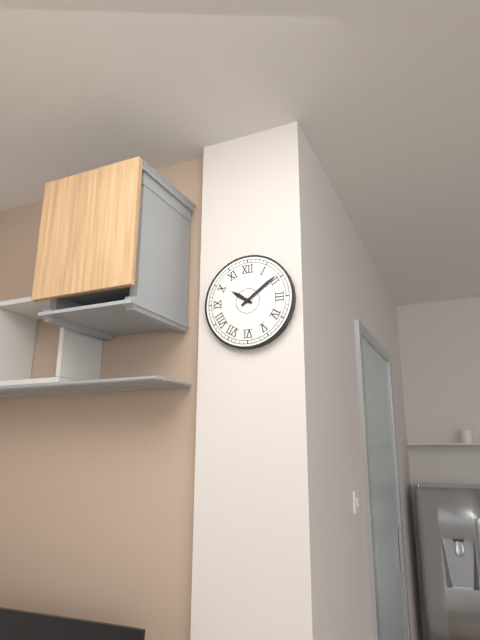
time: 10:09
